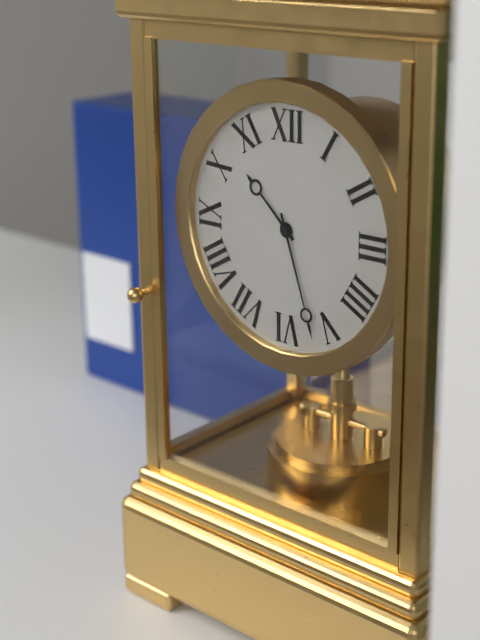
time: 10:27
